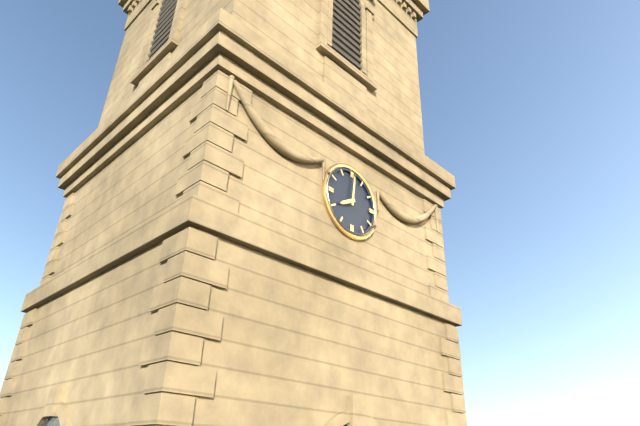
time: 8:01
